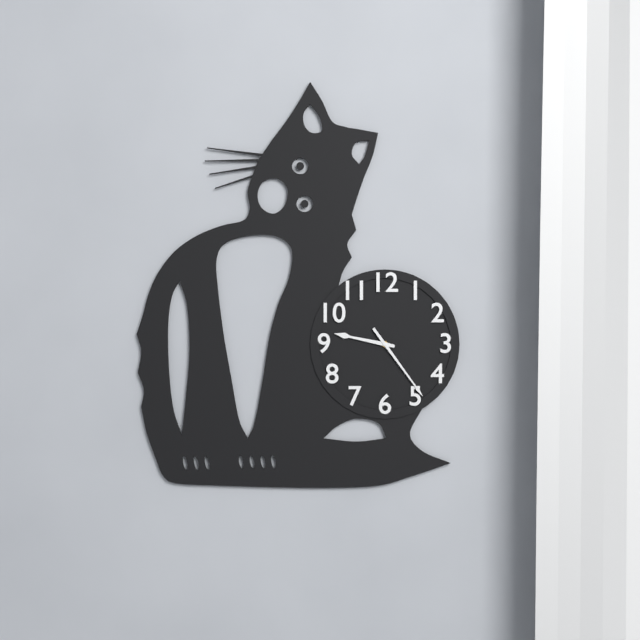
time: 9:24
